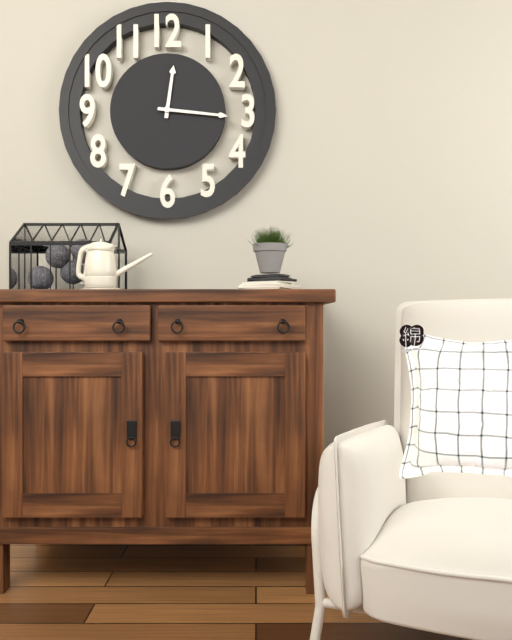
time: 12:16
